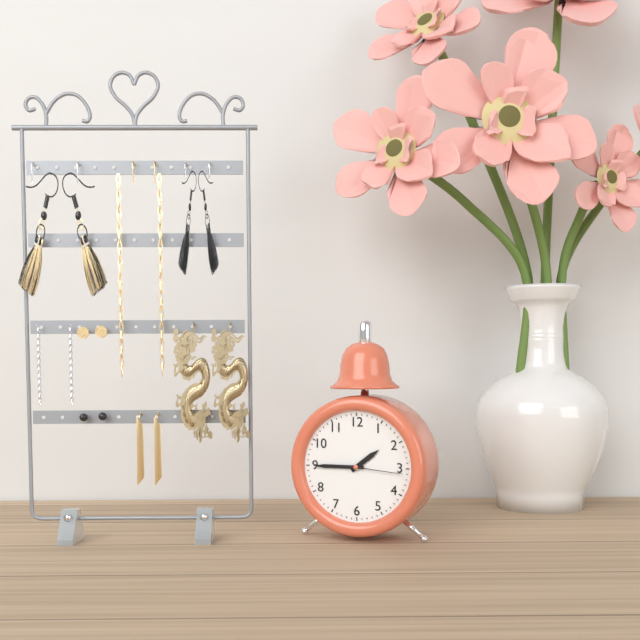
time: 1:45:16
